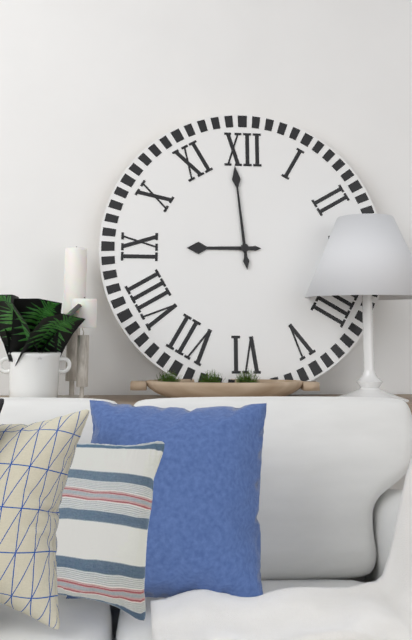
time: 8:59
